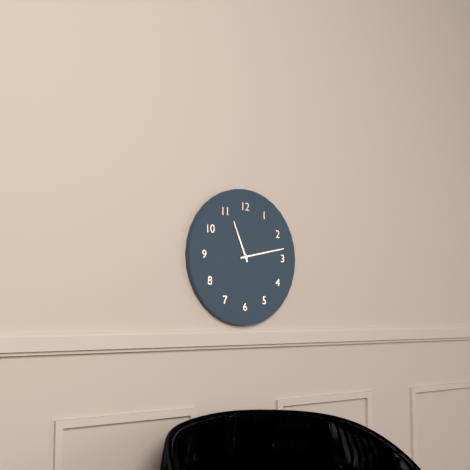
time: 11:13
